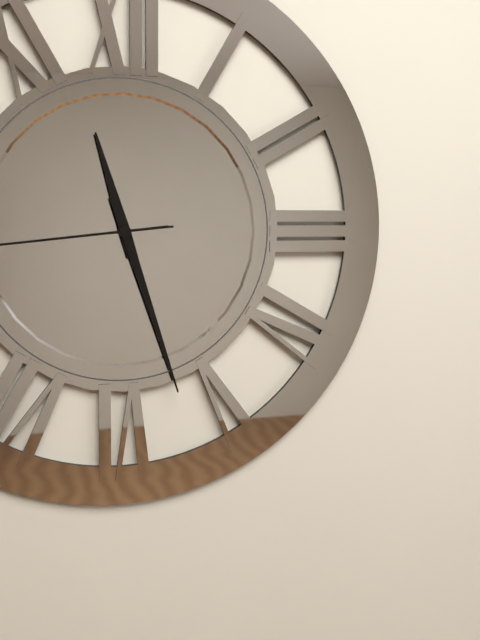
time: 11:27
